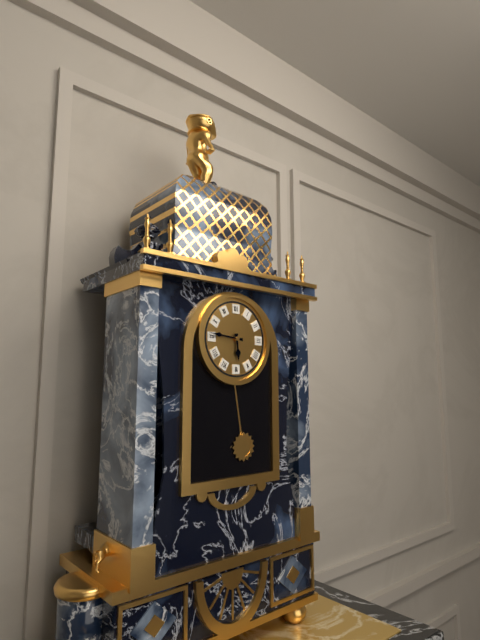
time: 5:46
